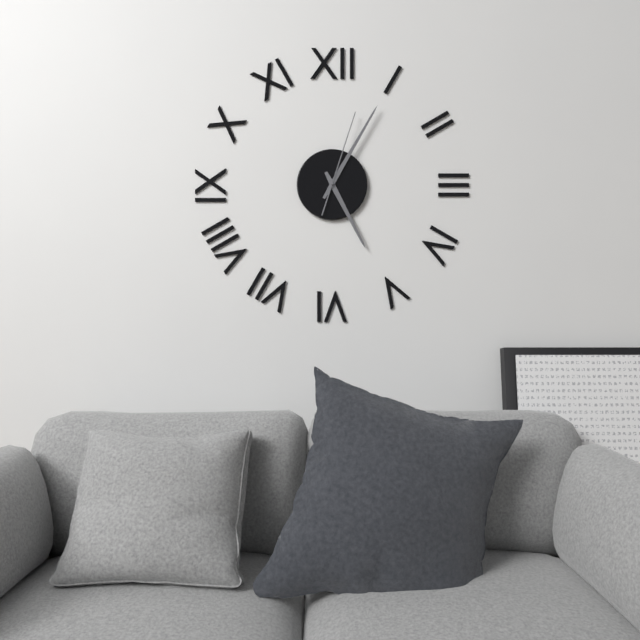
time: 5:05:03
